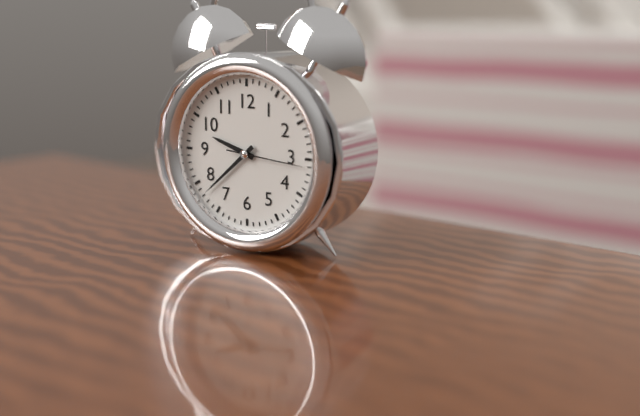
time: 9:38:16
